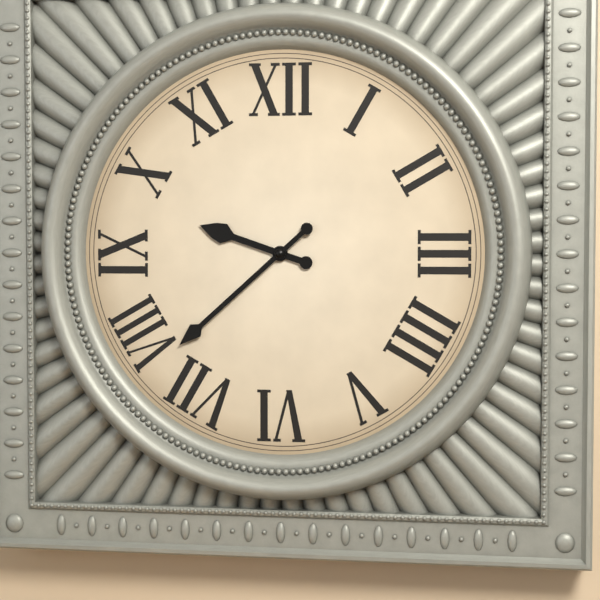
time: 9:38
